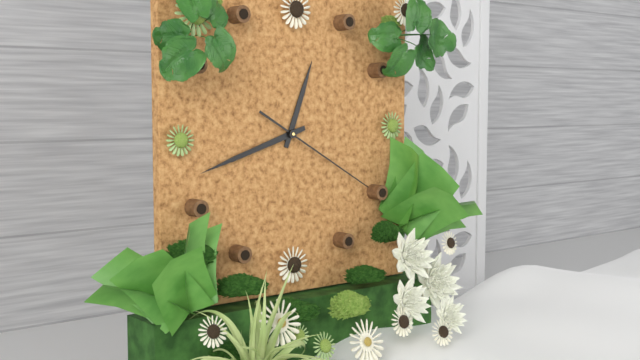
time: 12:42:20
